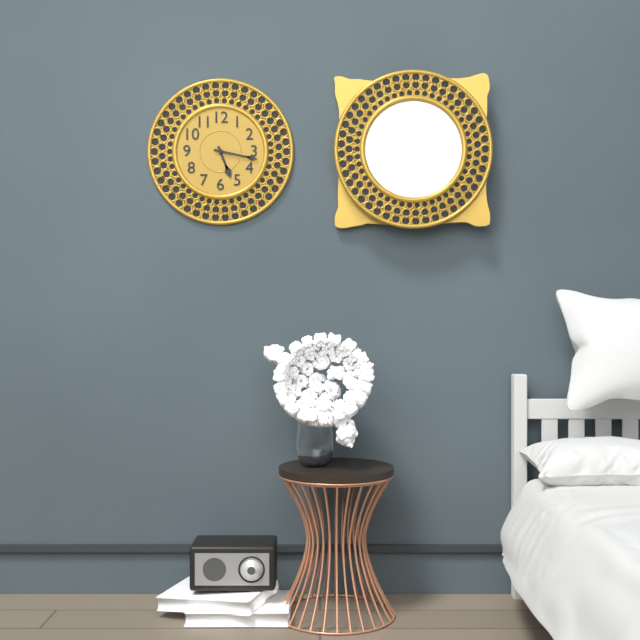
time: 5:17
